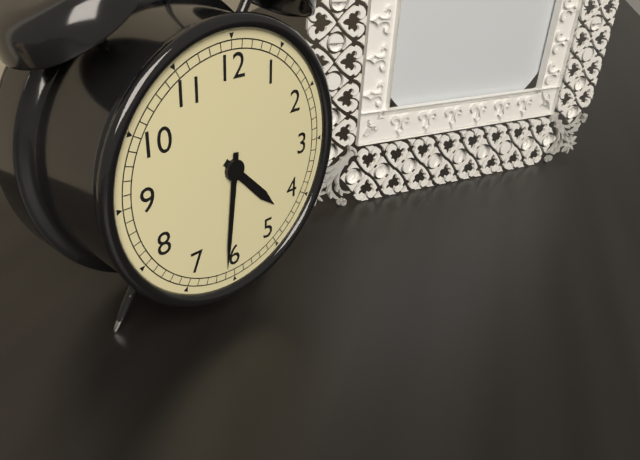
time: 4:31
